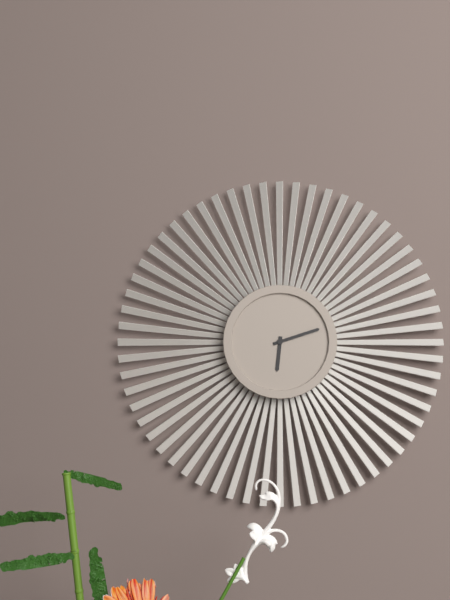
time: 6:12
